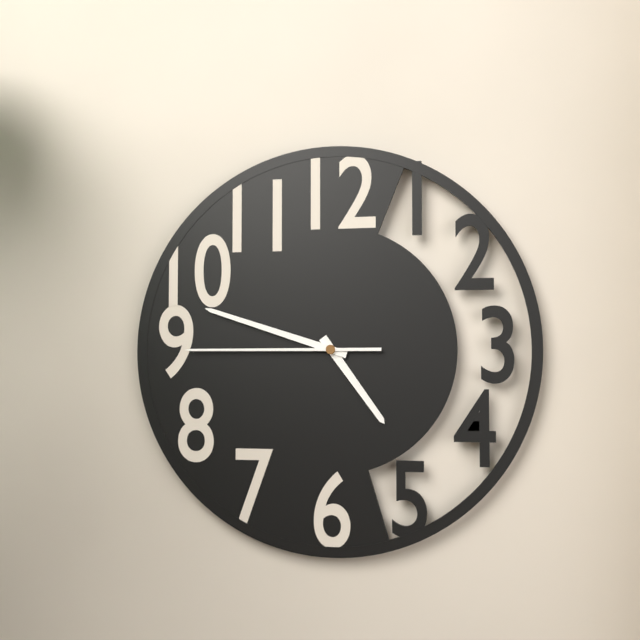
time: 4:48:45
